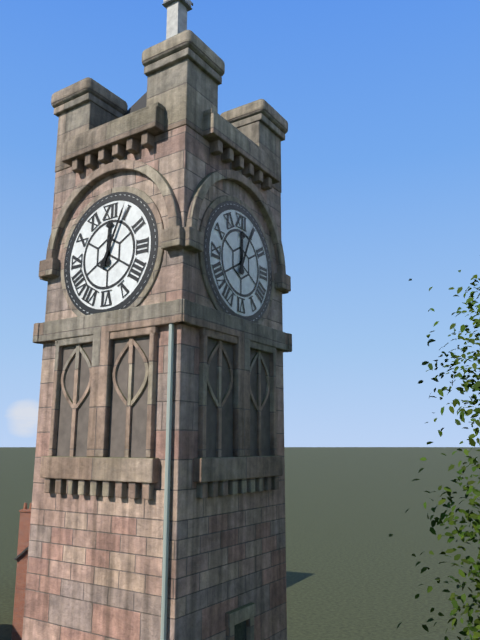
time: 12:04
